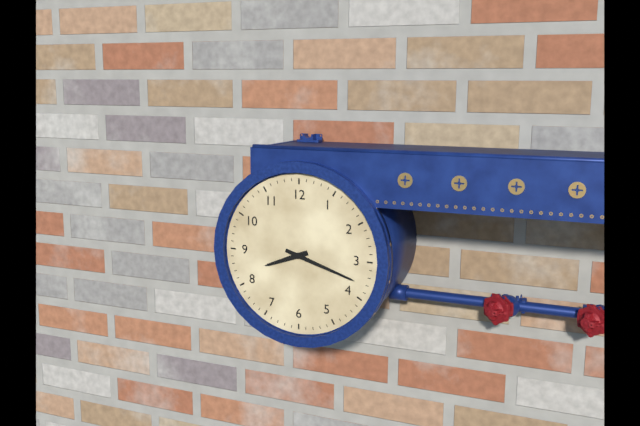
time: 8:18
